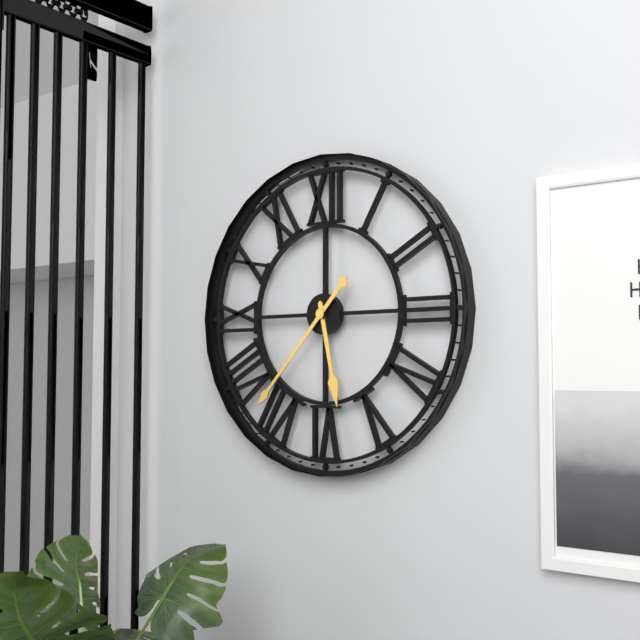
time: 5:37
